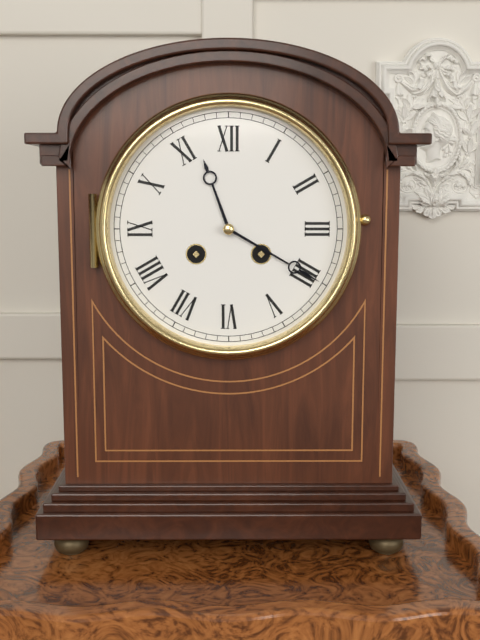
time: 11:20
